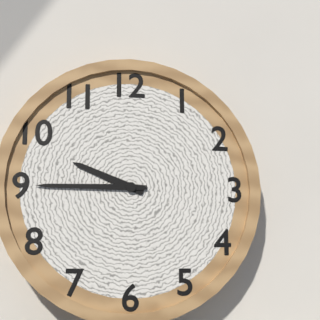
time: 9:45
